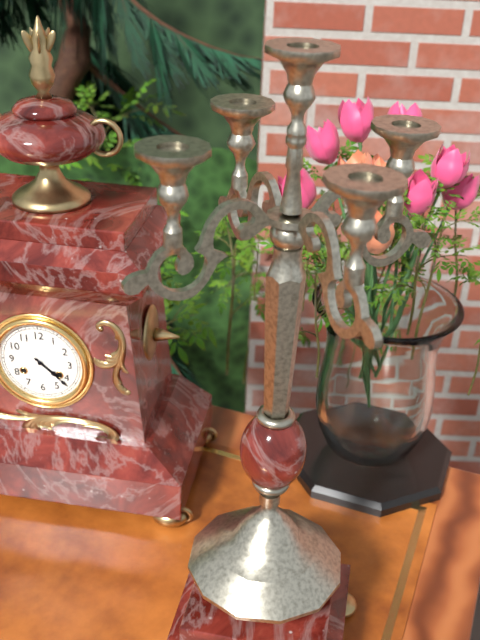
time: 4:22
